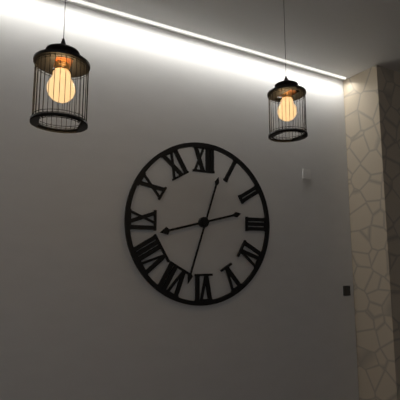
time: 8:33
